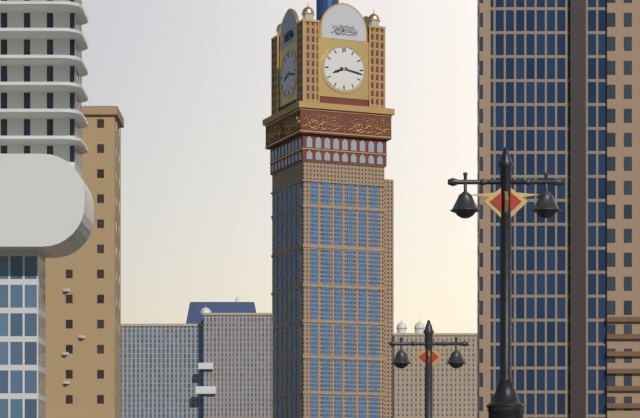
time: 8:17
